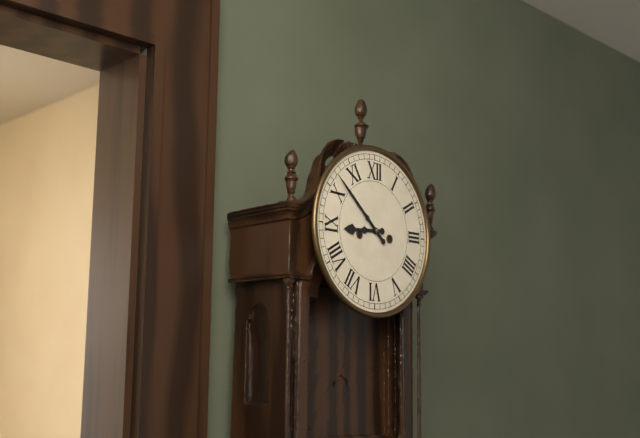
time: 8:52
